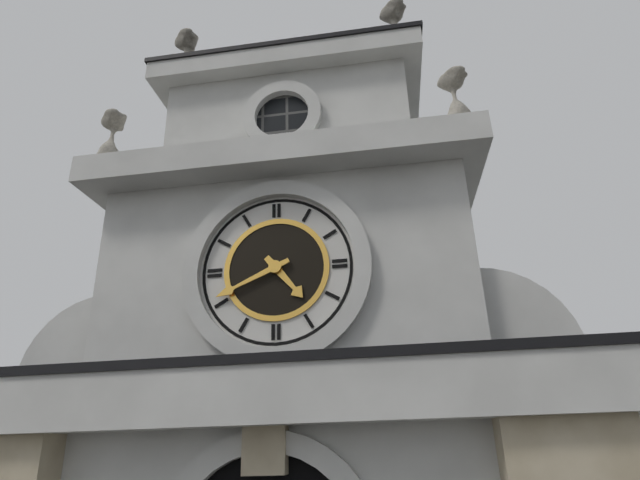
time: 4:41
